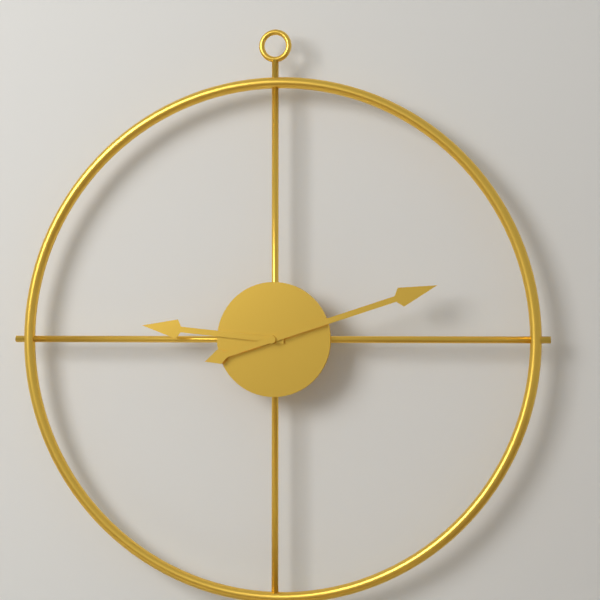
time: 9:12
